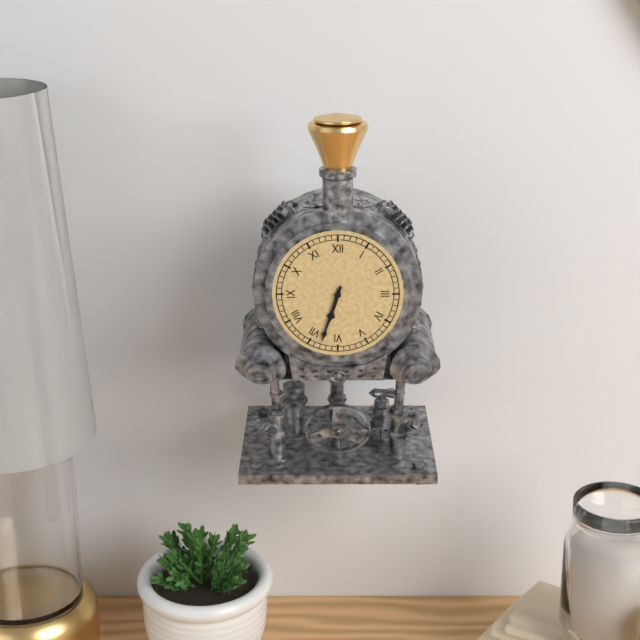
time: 6:33
